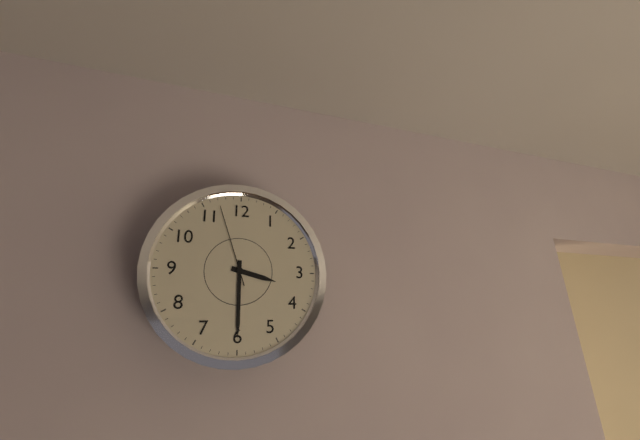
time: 3:30:57
